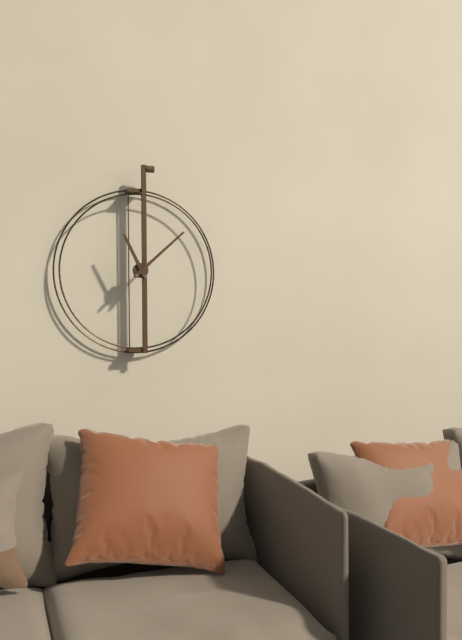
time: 11:08
